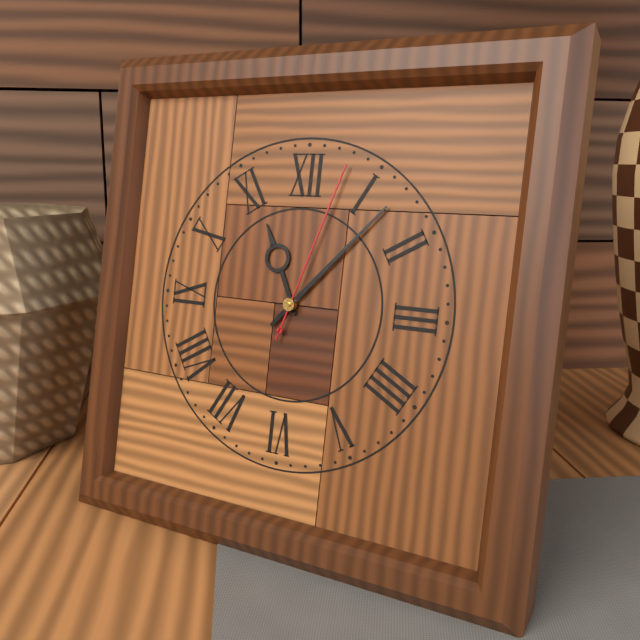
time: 11:07:03
